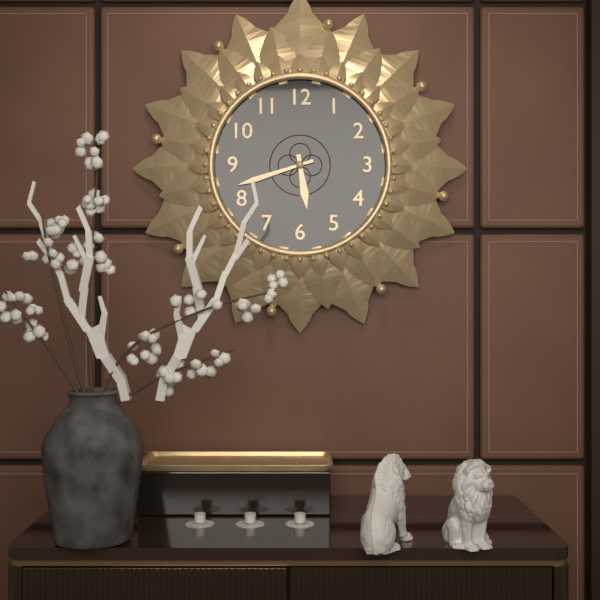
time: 5:42
